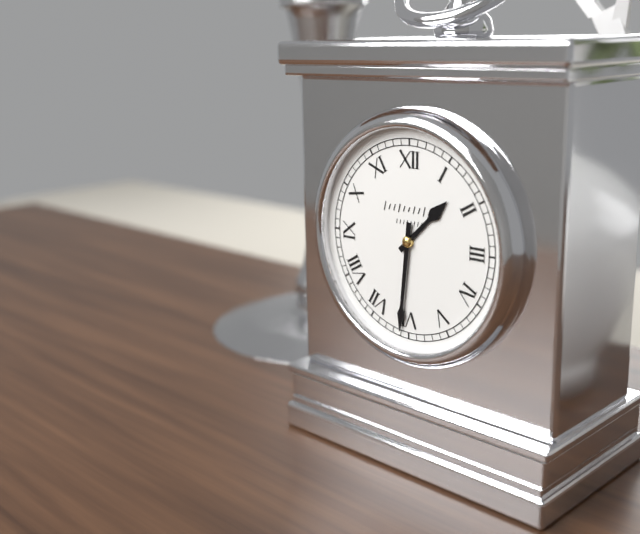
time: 1:31
